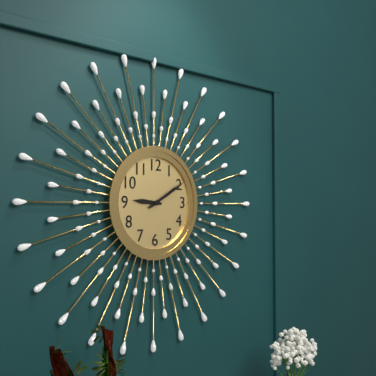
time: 9:10
